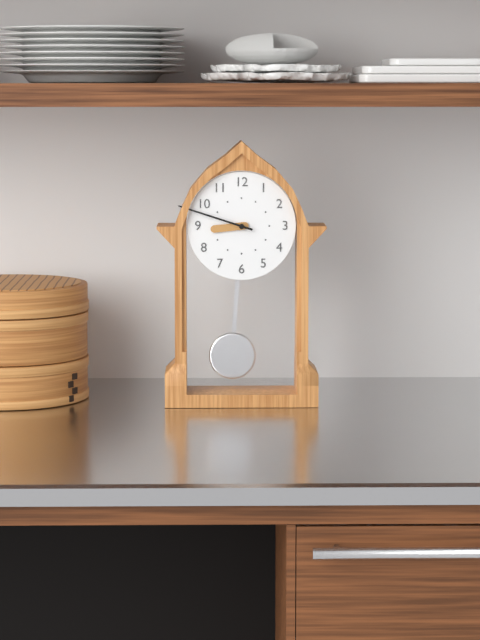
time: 8:48
